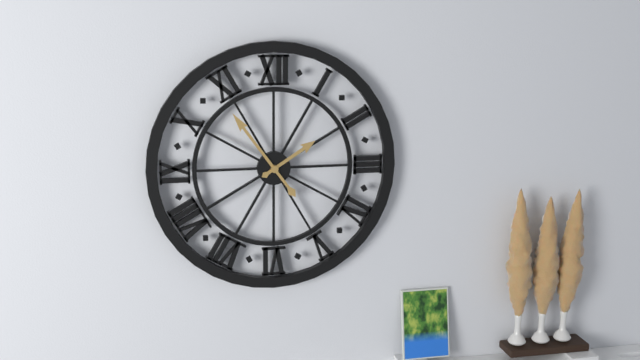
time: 1:54
